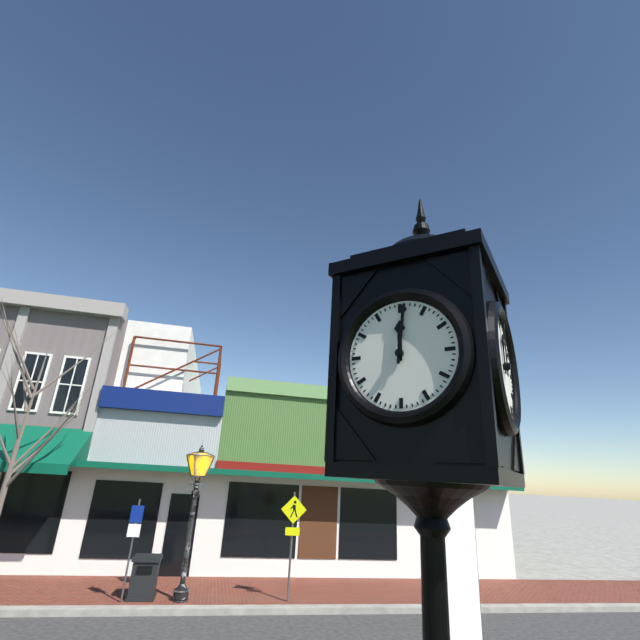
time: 12:01
